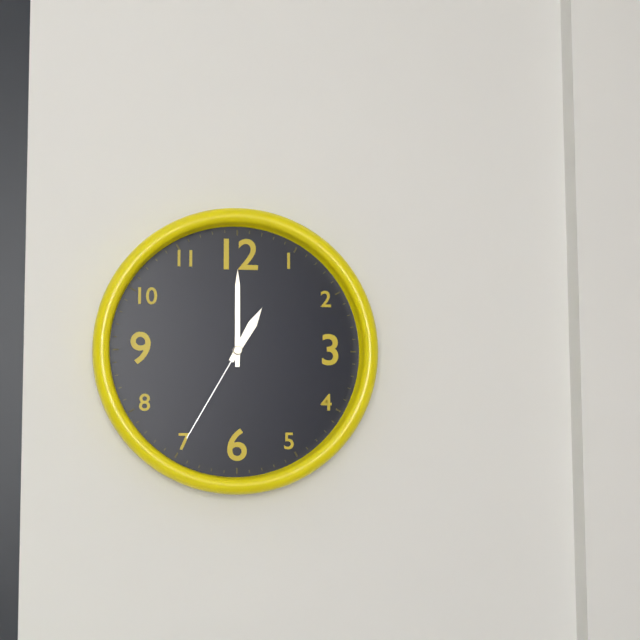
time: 1:00:35
